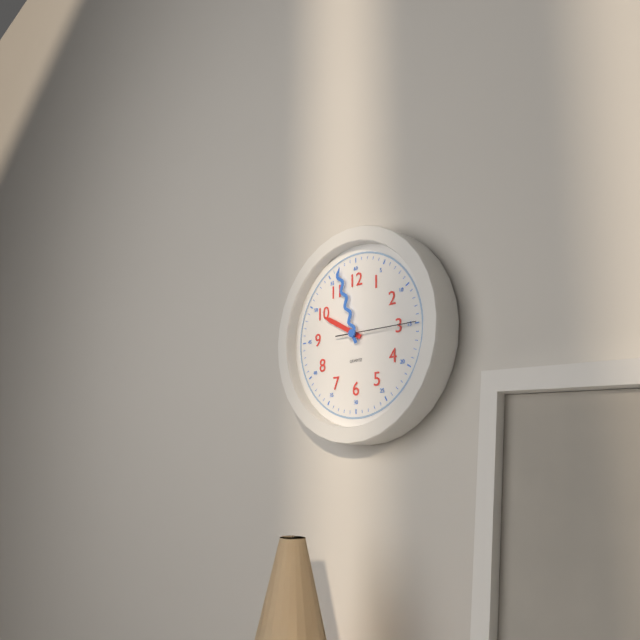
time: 9:57:15
